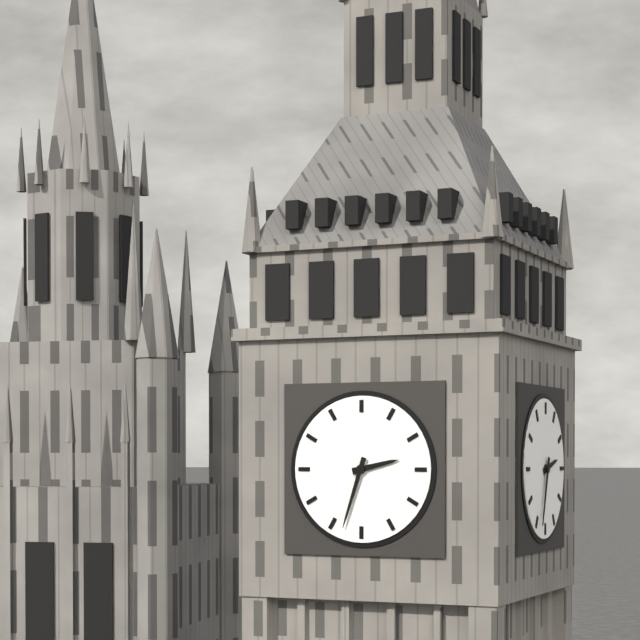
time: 2:33
